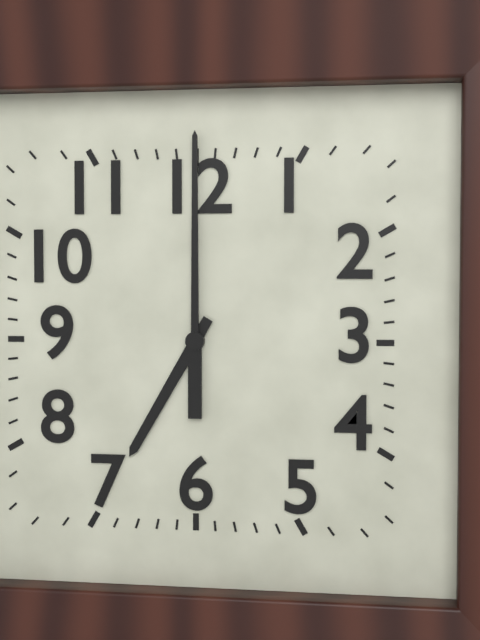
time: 7:00
